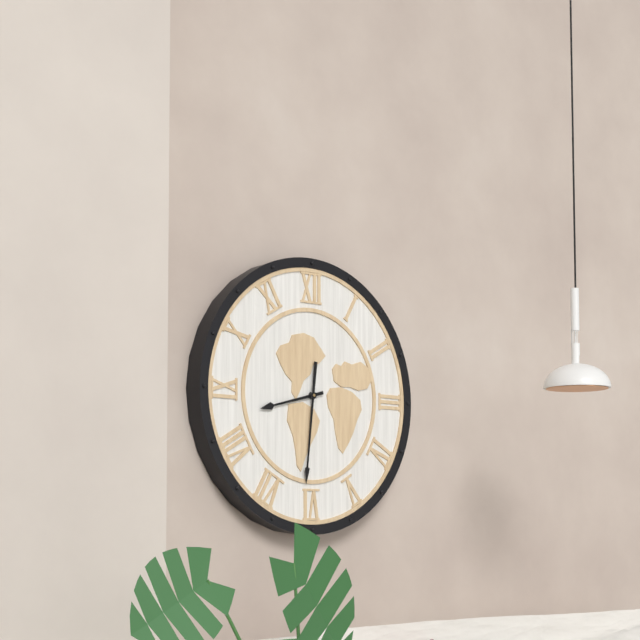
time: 8:31
